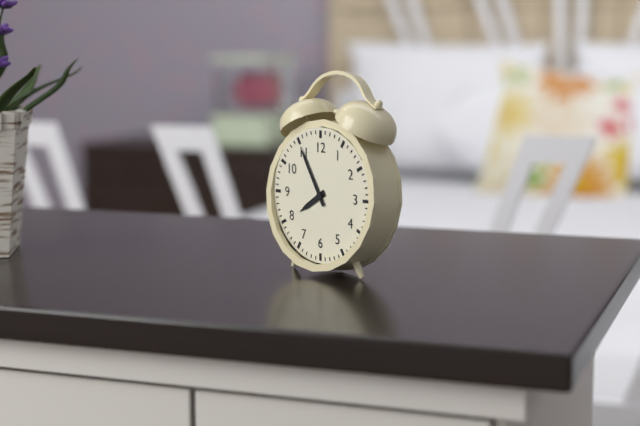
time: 7:55
